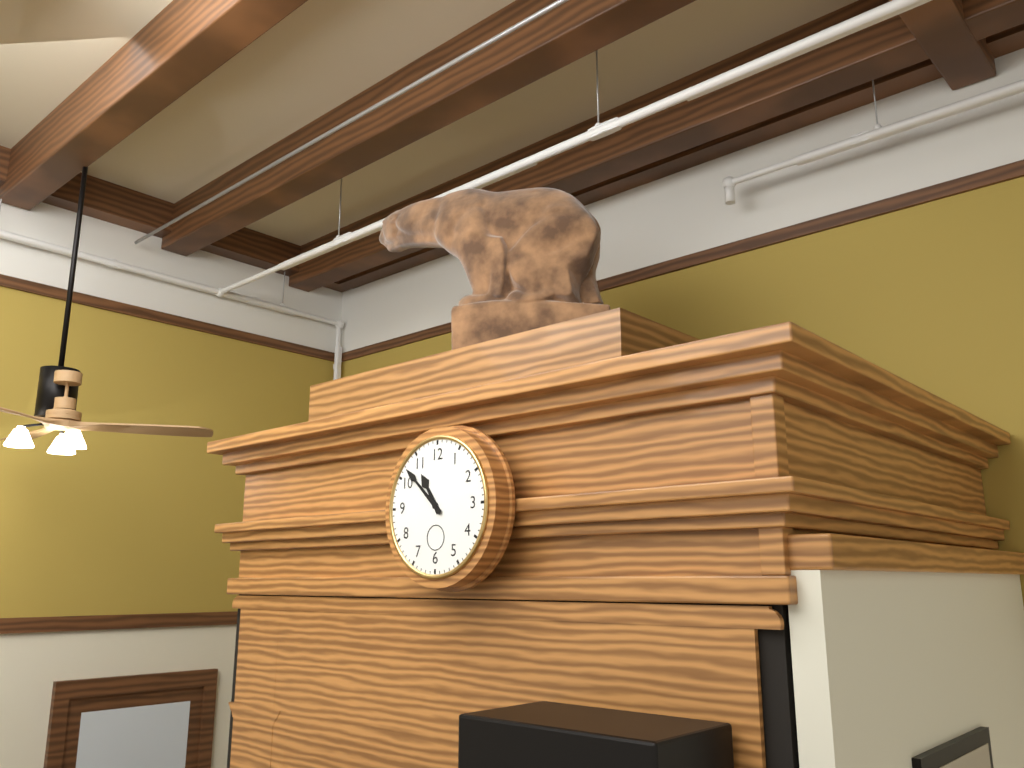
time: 10:52
